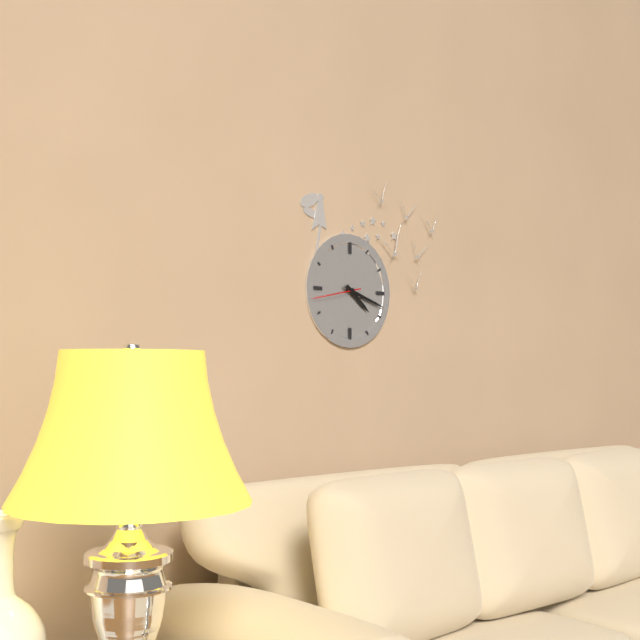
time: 4:18
